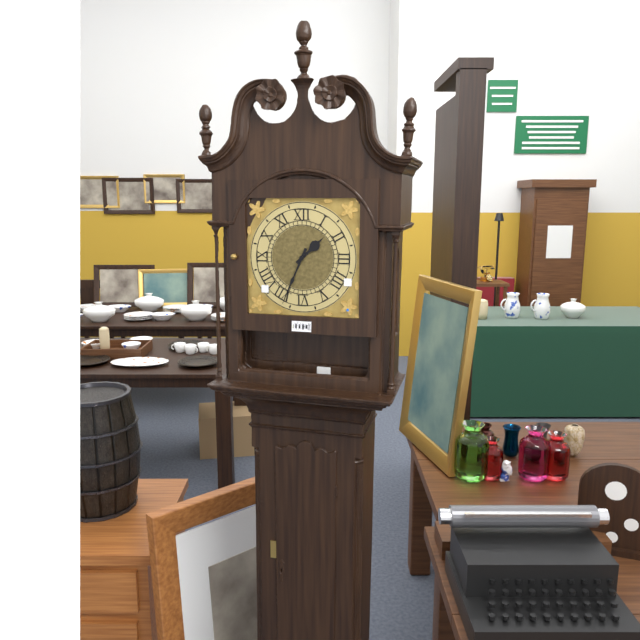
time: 1:34
